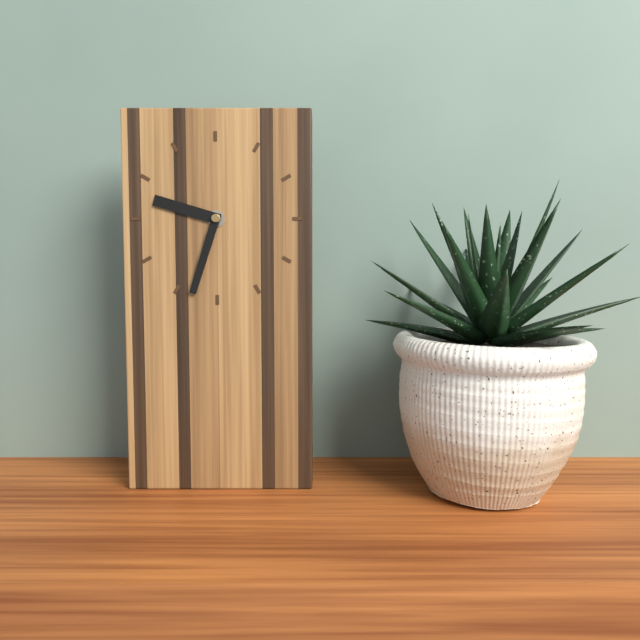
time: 9:33
